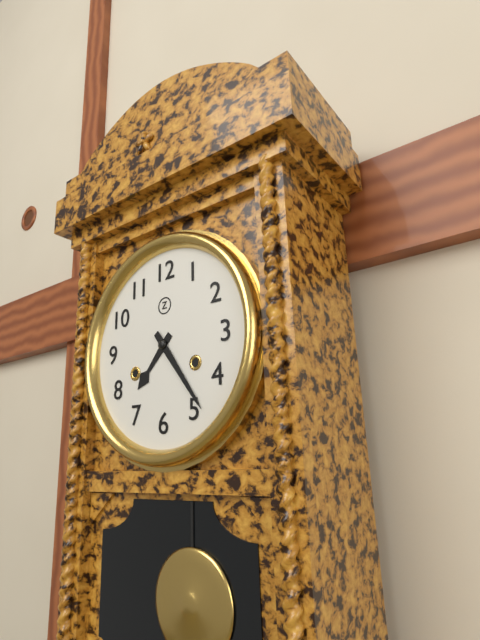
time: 7:24
